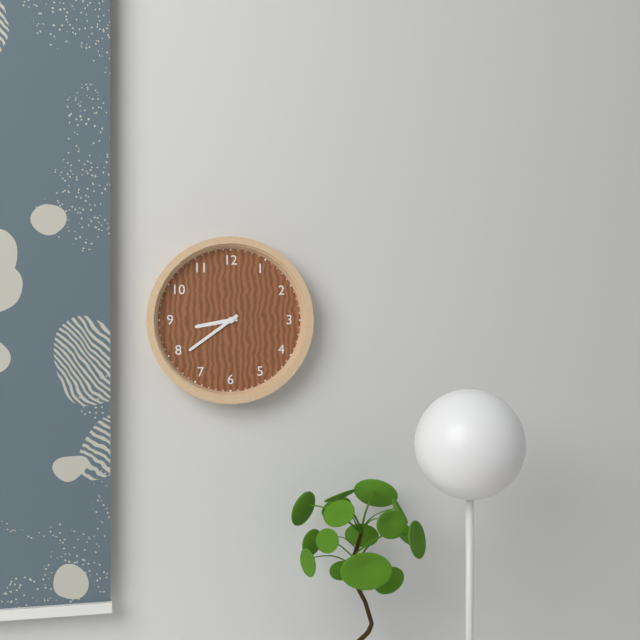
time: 8:39
